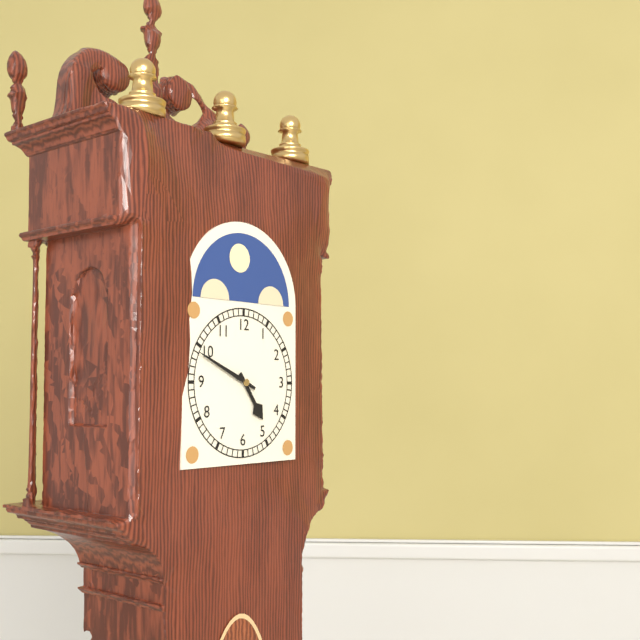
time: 4:49
